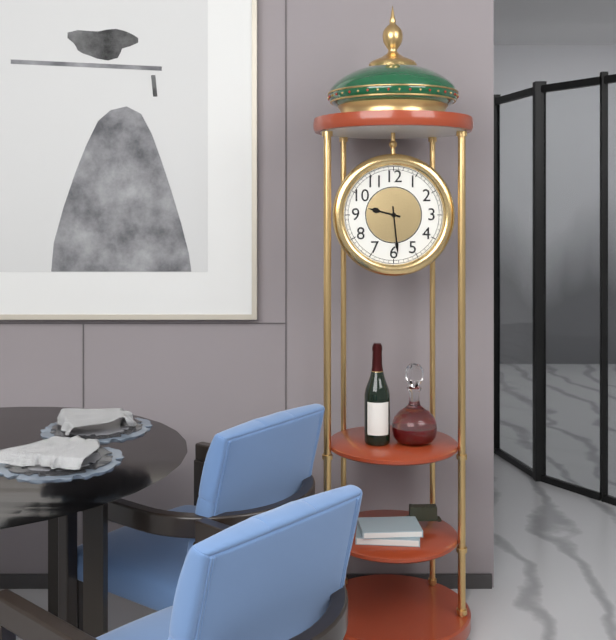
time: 9:29
